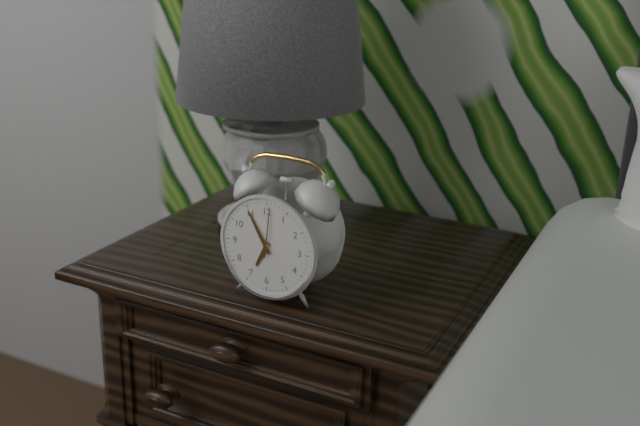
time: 6:55:01
